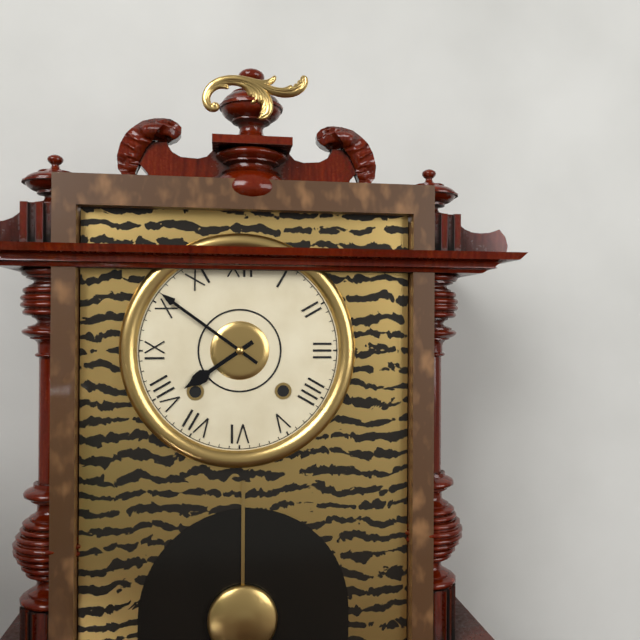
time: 7:51
